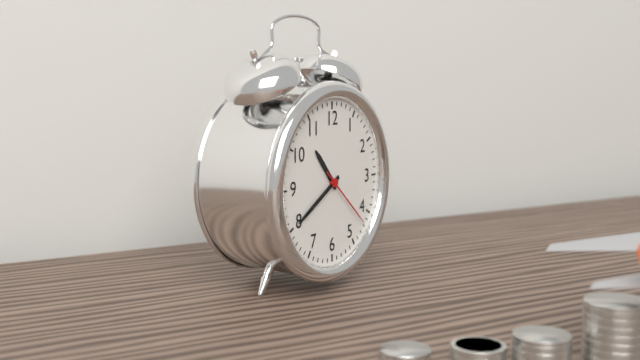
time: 10:40:22
